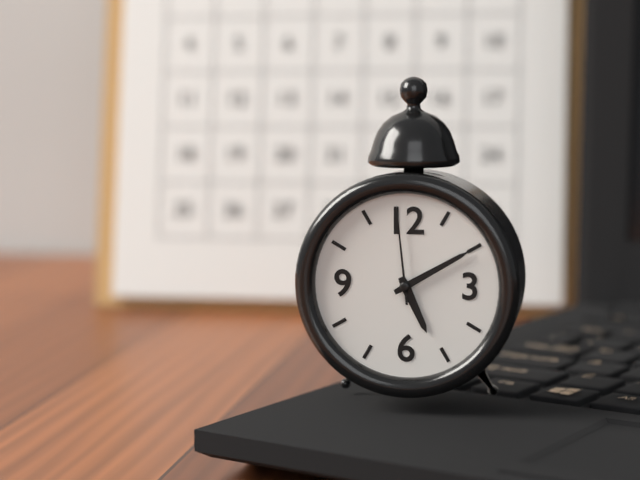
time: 5:10:59
